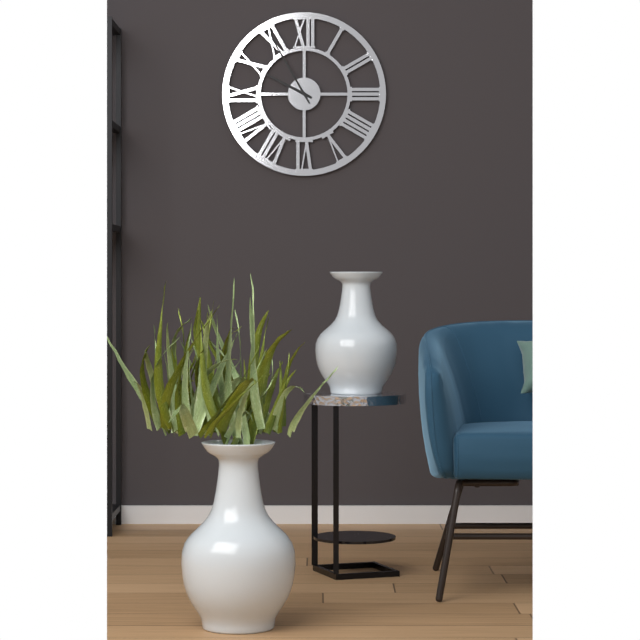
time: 9:55
